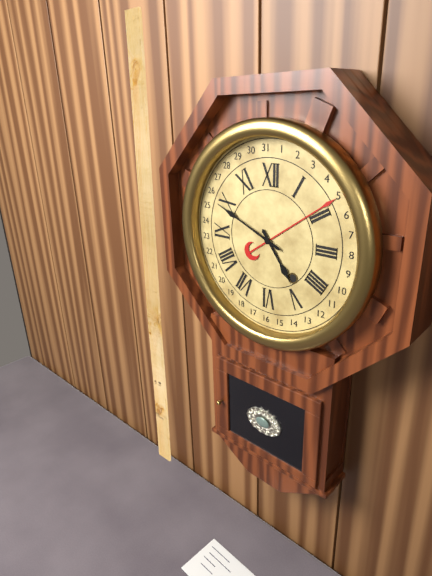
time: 4:49
